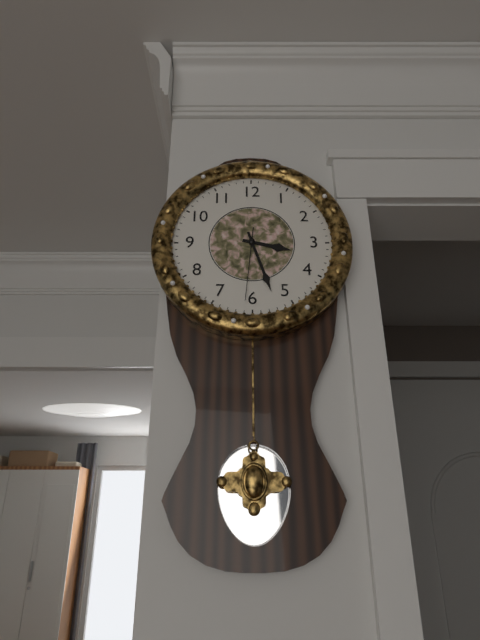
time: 3:27:31
